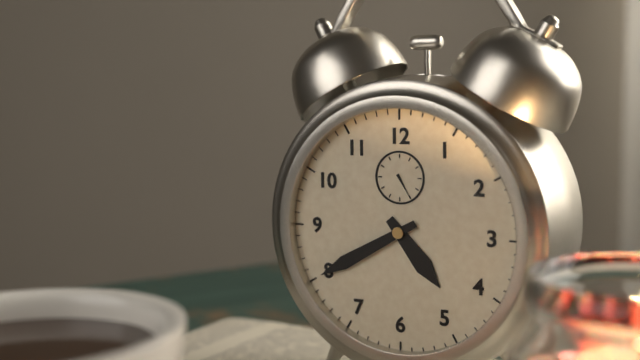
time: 4:40
